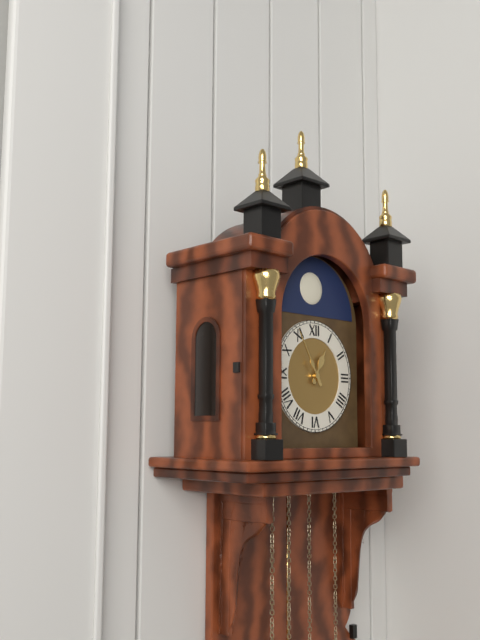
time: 12:55
